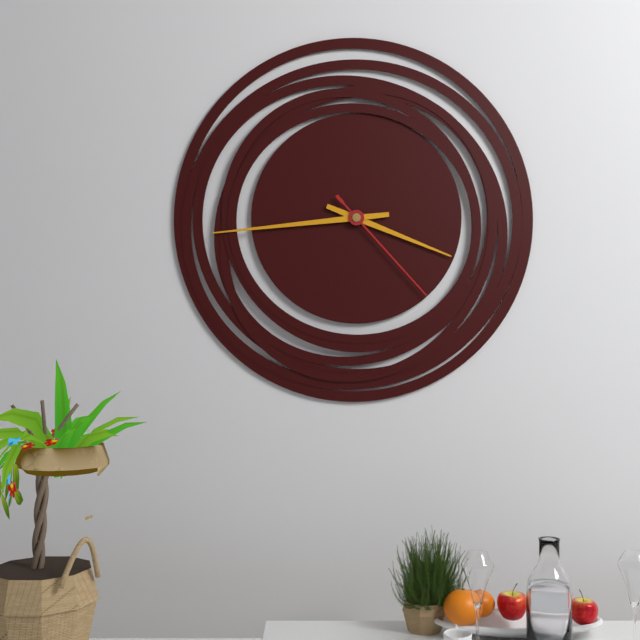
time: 3:44:23
